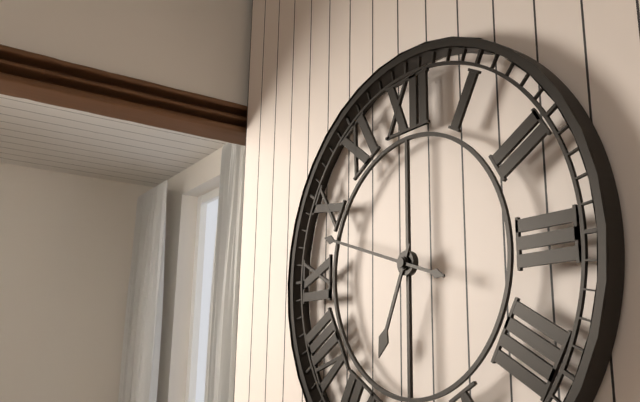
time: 6:48
